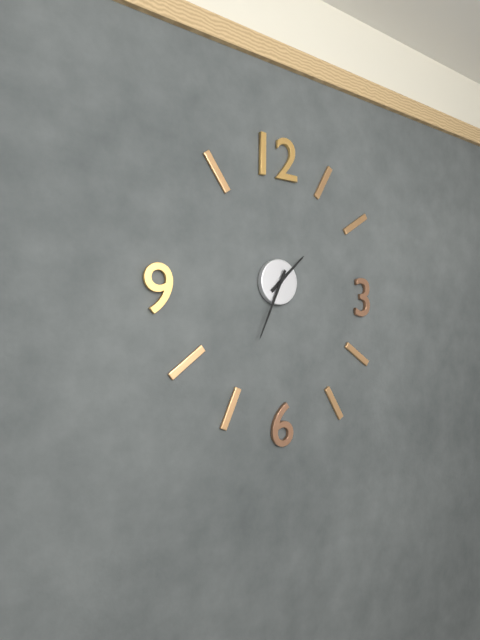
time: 1:34
